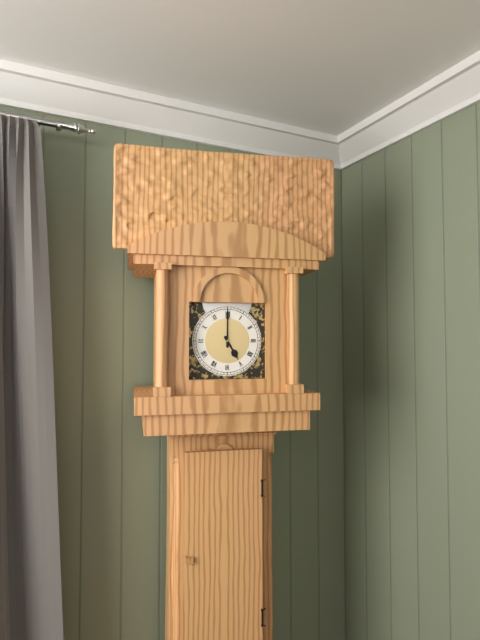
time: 5:00
